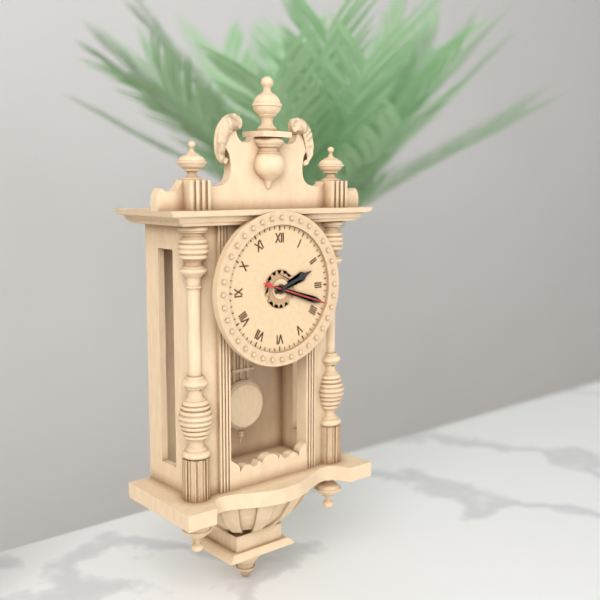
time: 2:18:18
